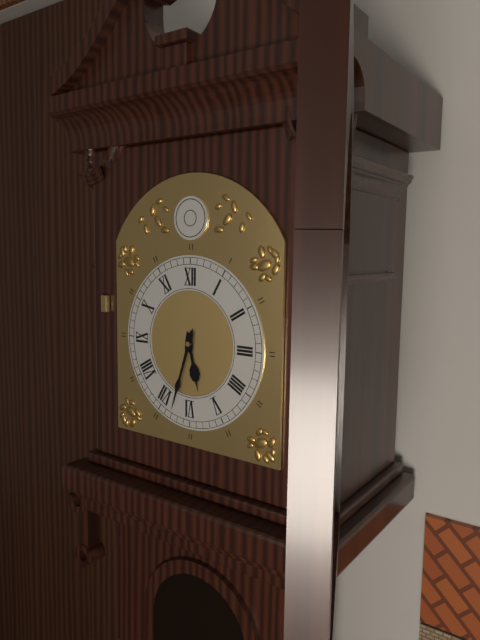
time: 5:33
